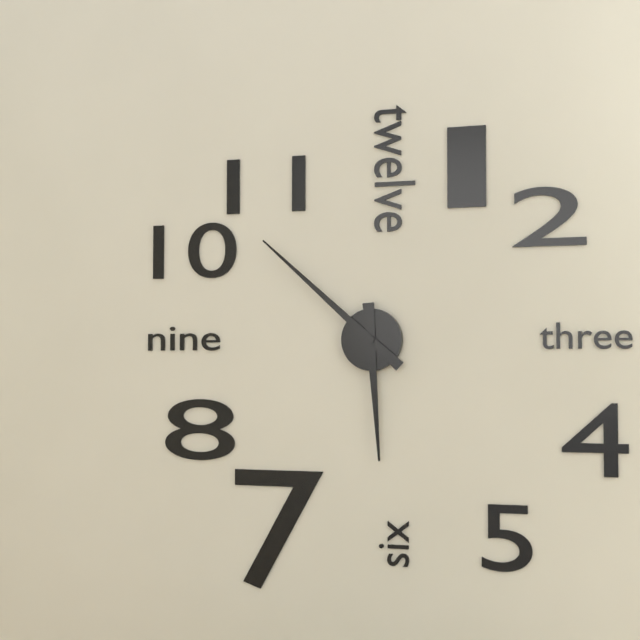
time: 5:52
